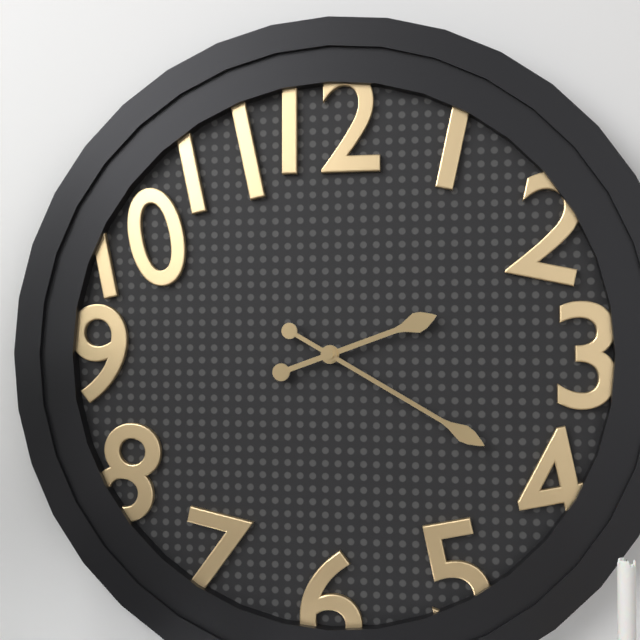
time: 2:20
